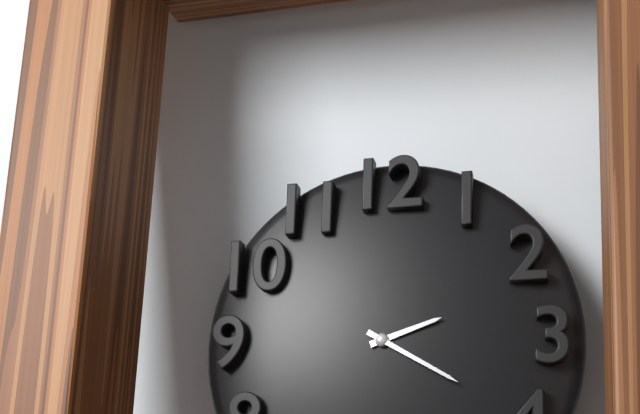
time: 2:20
